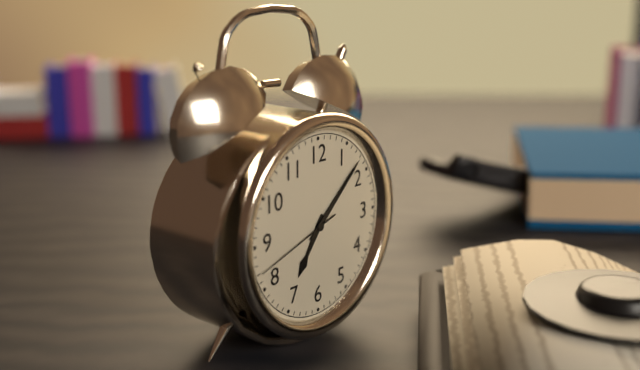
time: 7:08:42
